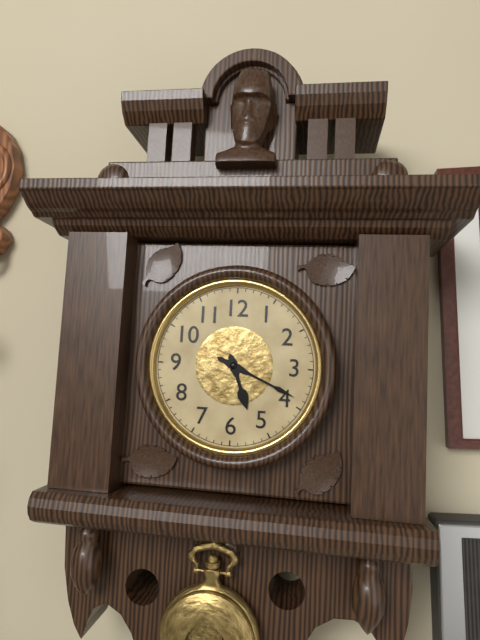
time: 5:19
